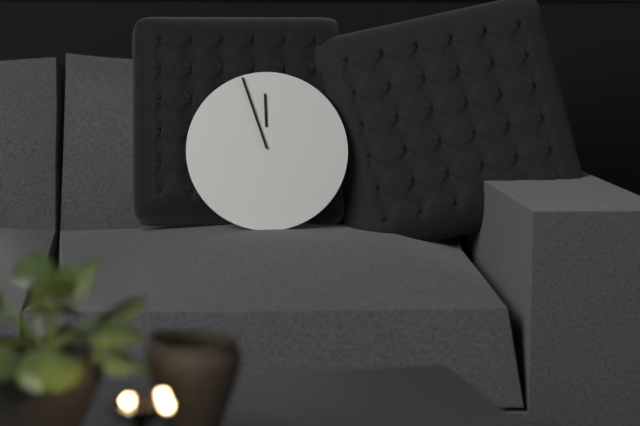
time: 11:57
